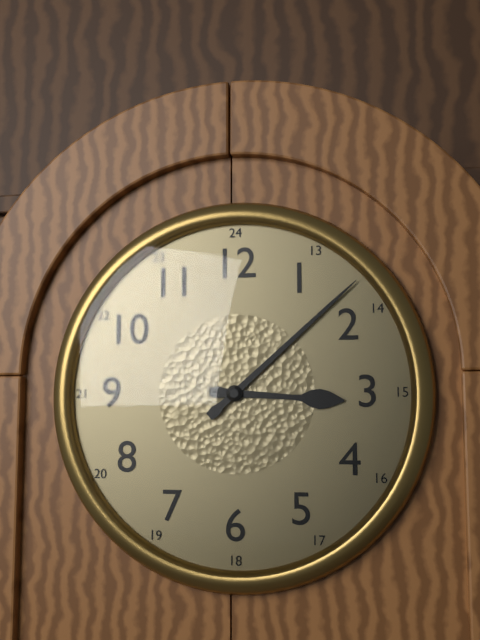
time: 3:08
